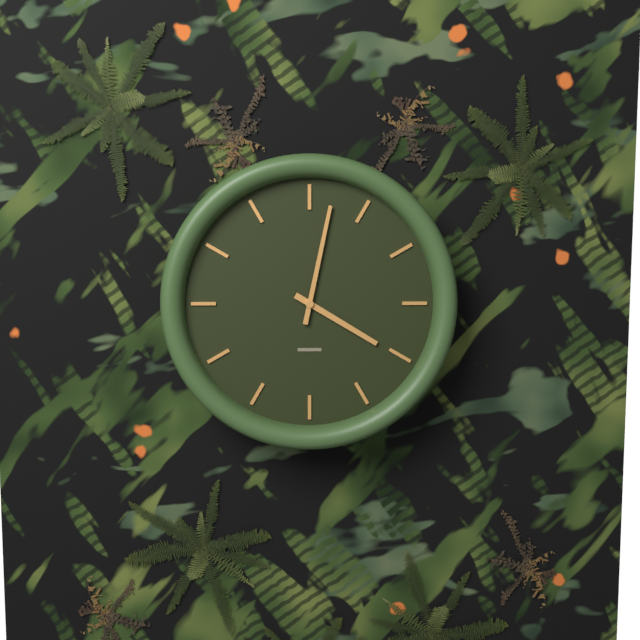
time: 4:02
